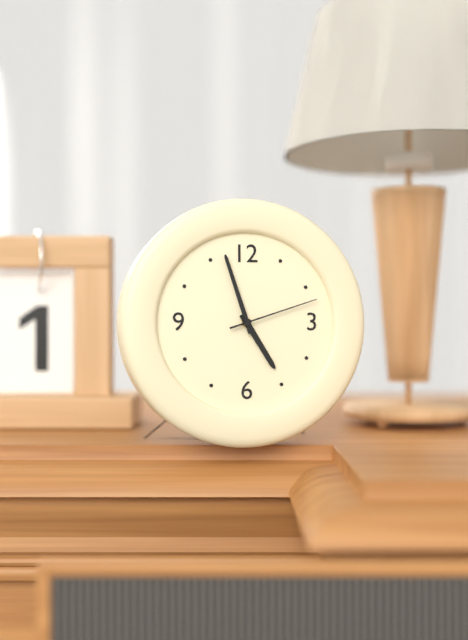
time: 4:57:12
